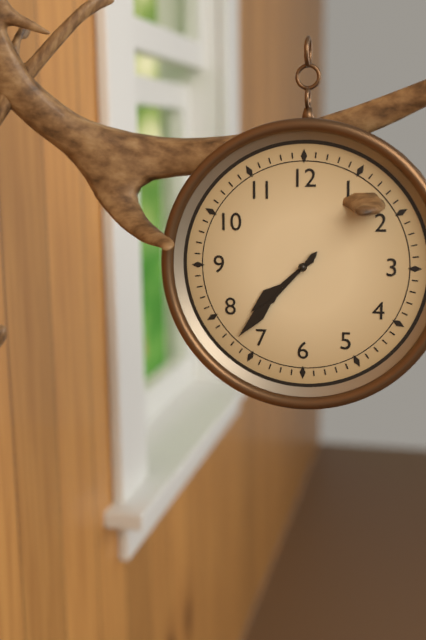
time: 7:37
